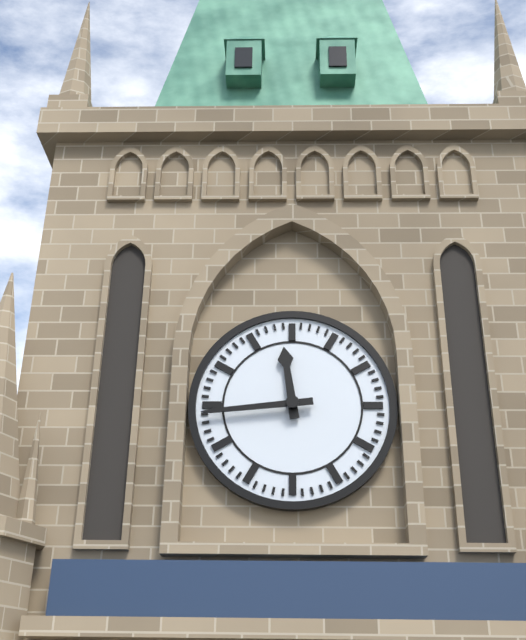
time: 11:44
